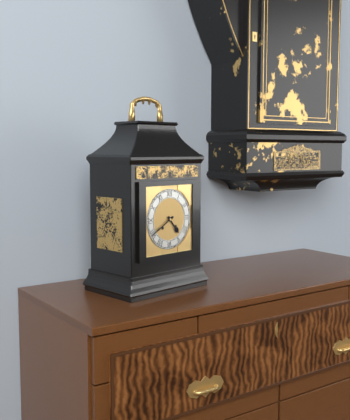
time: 4:40
